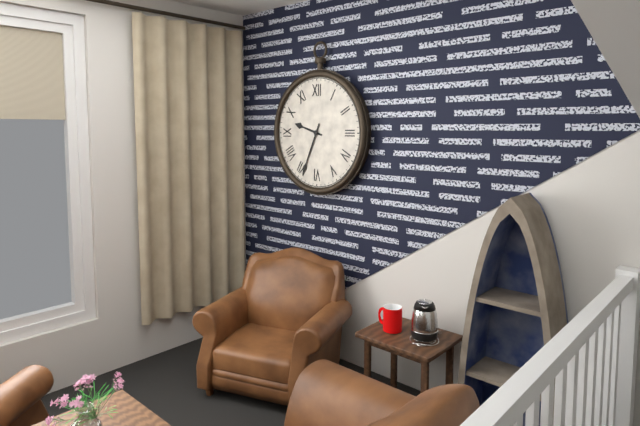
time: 9:34
